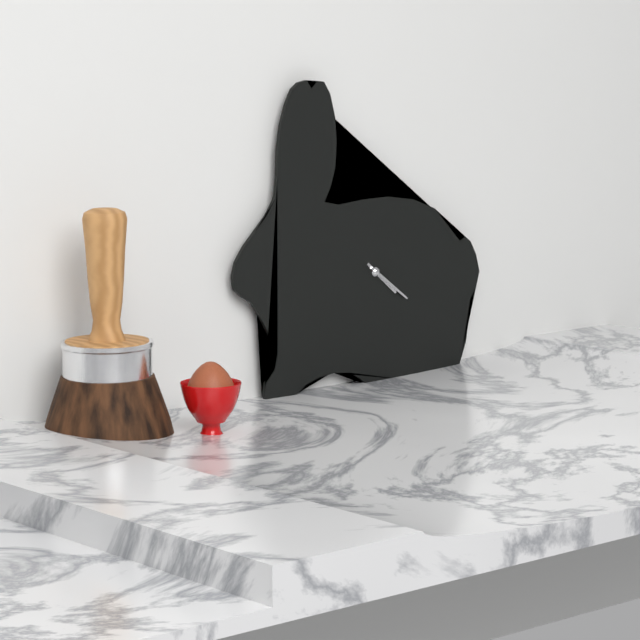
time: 4:21
